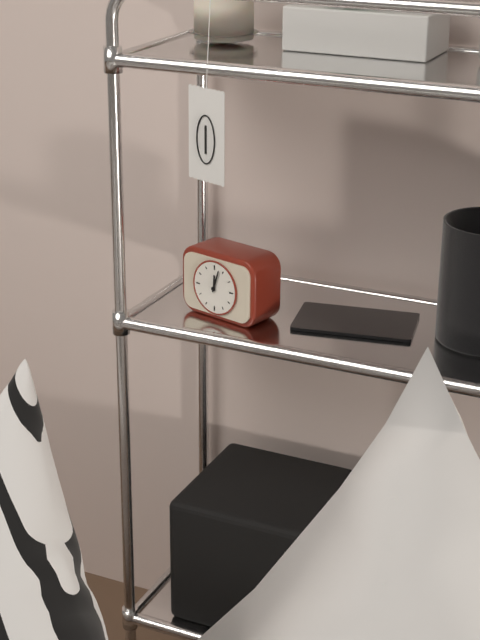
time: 12:03
